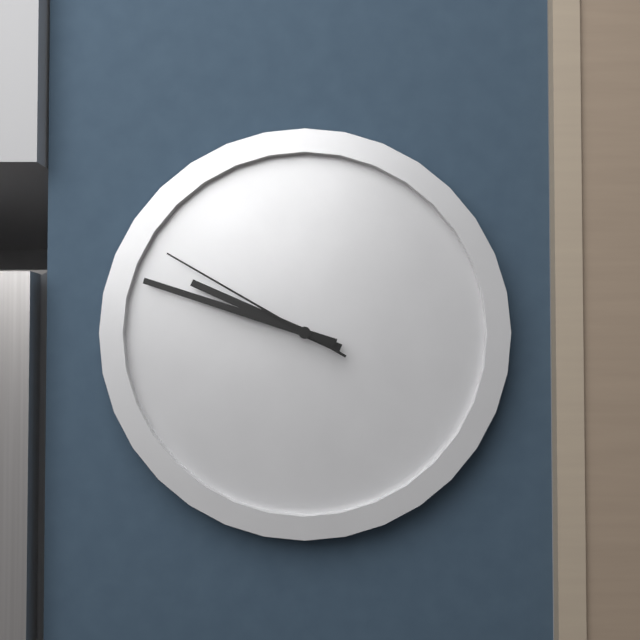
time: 9:48:50
